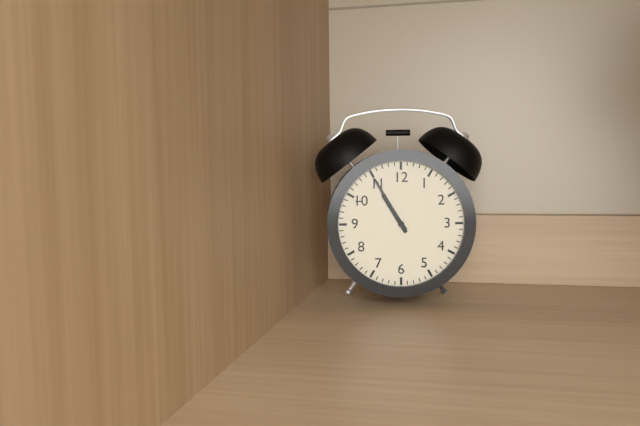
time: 10:55
